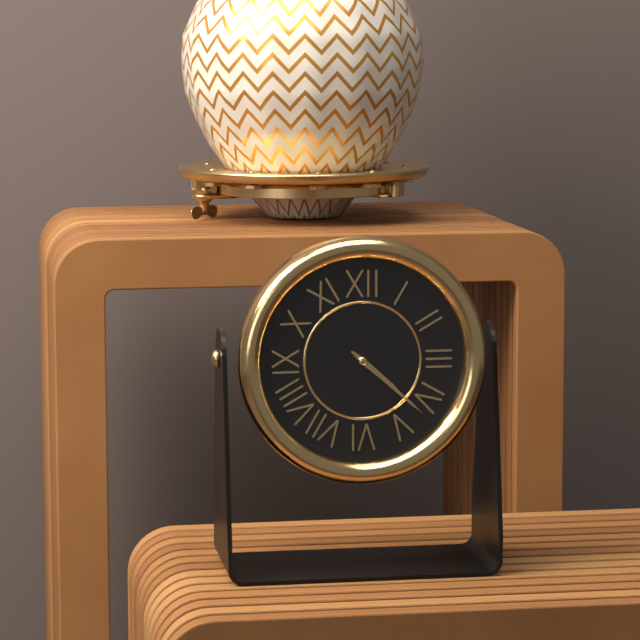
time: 4:22
